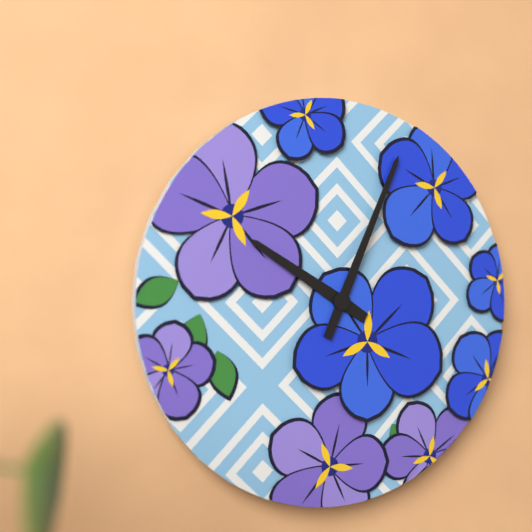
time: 10:04
